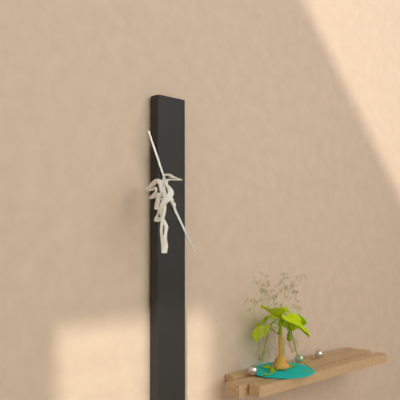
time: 4:56
